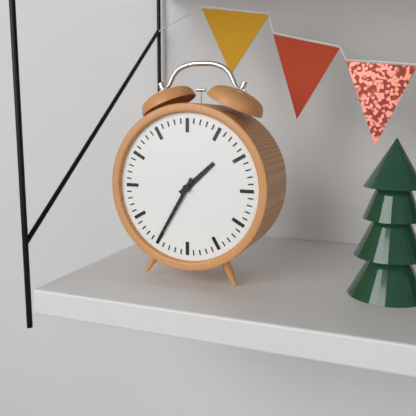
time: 1:35
